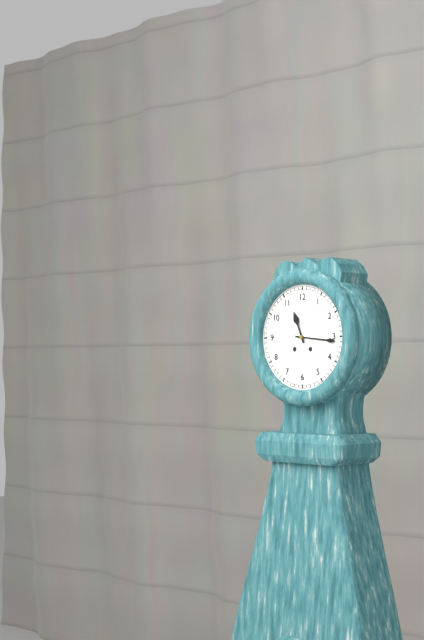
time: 11:16
